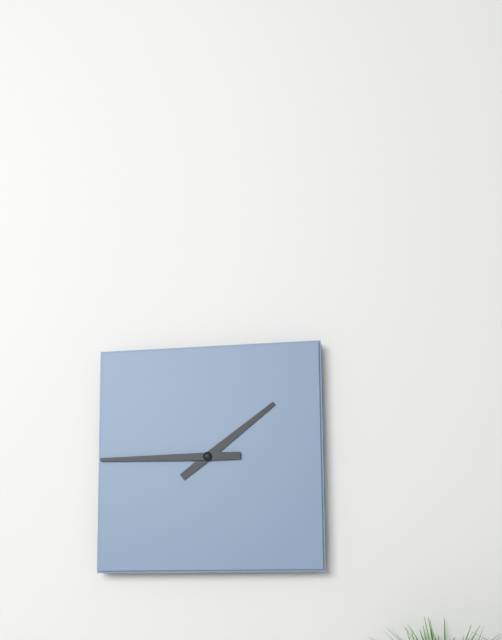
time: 1:45
